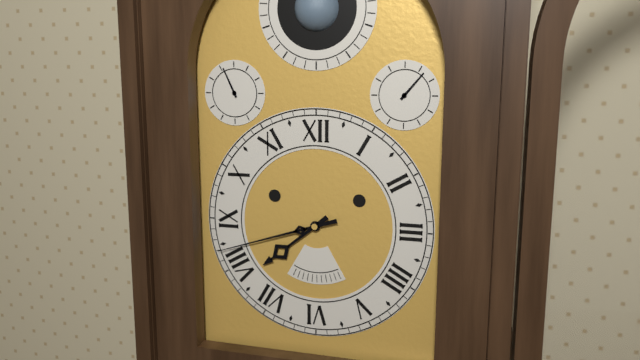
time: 7:42
